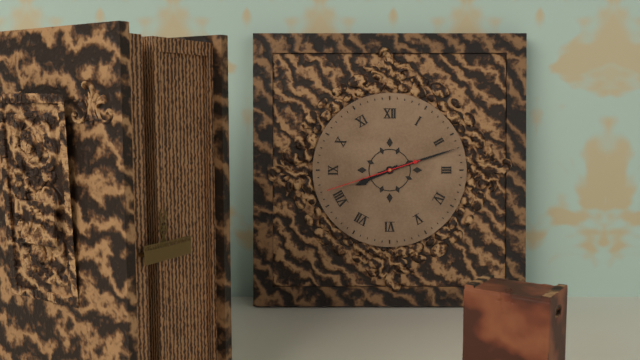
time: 8:12:42
